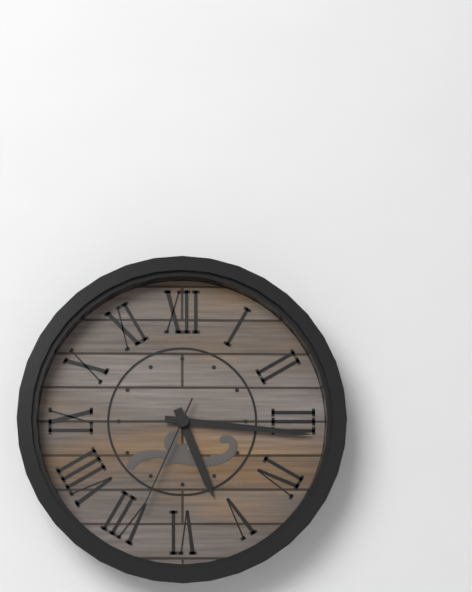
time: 5:16:34
